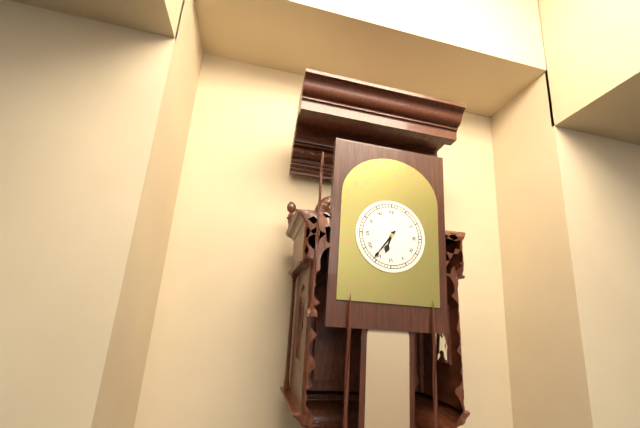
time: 6:36
